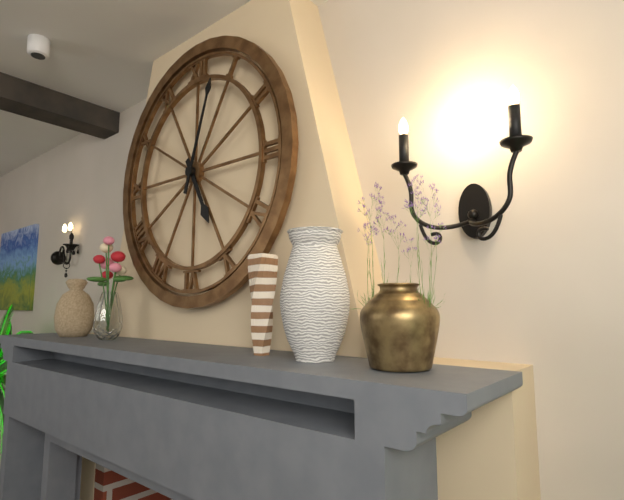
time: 5:03
